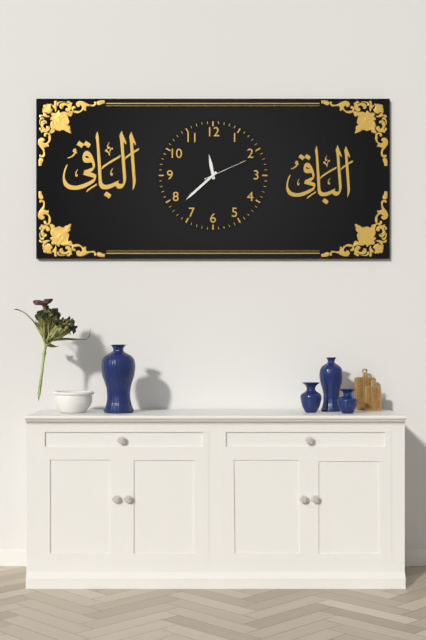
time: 11:38
